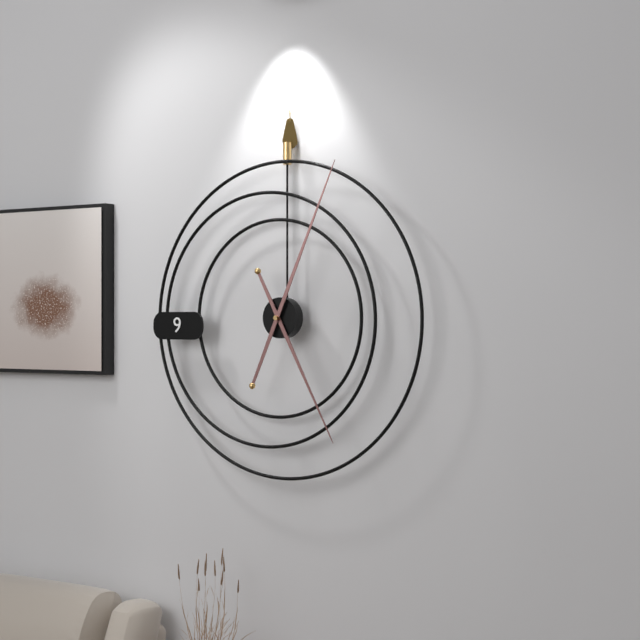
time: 5:04
